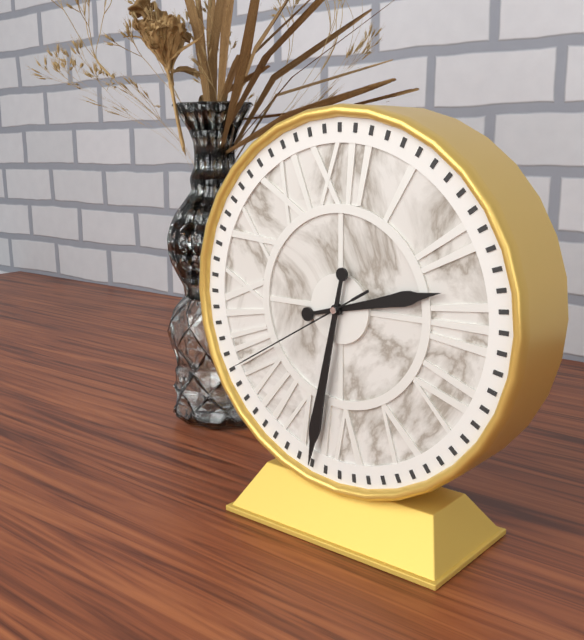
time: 2:32:40
